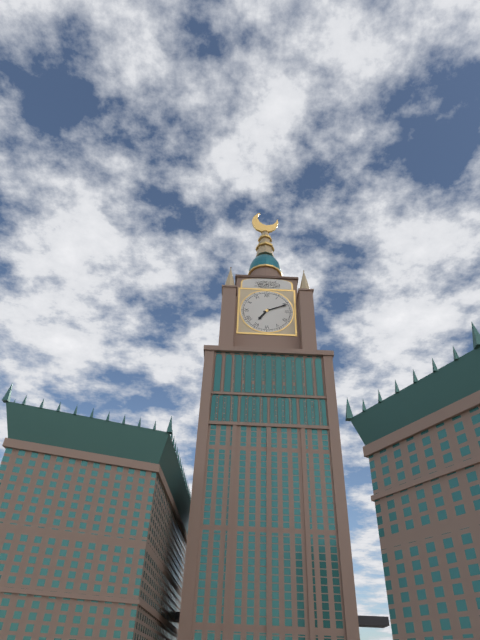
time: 7:11
